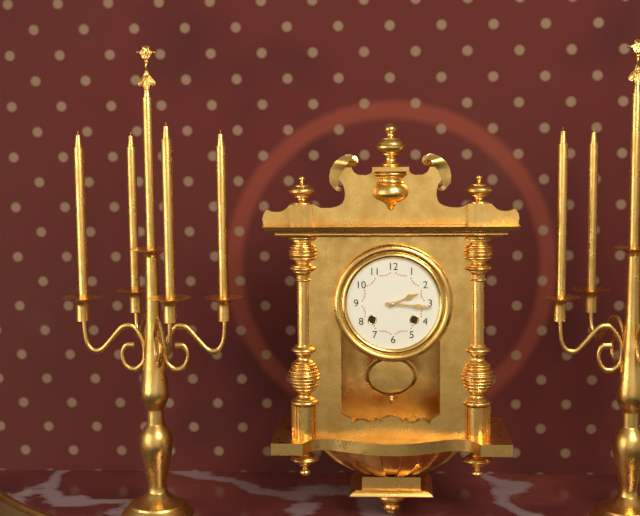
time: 2:16
